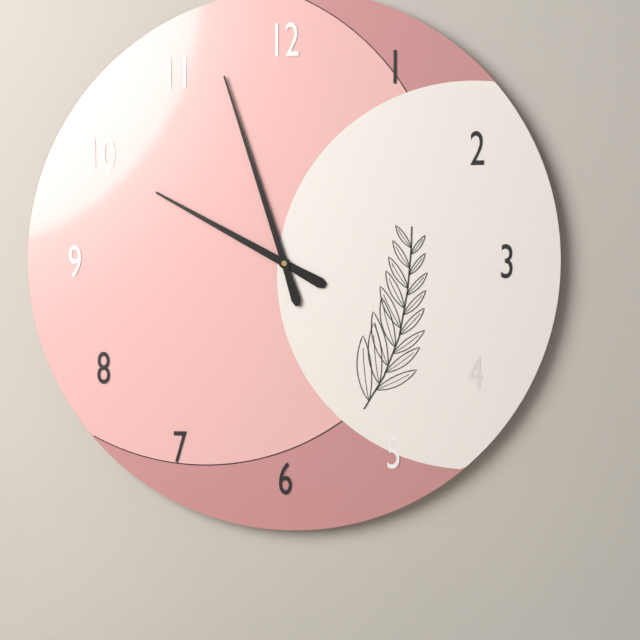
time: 9:57
